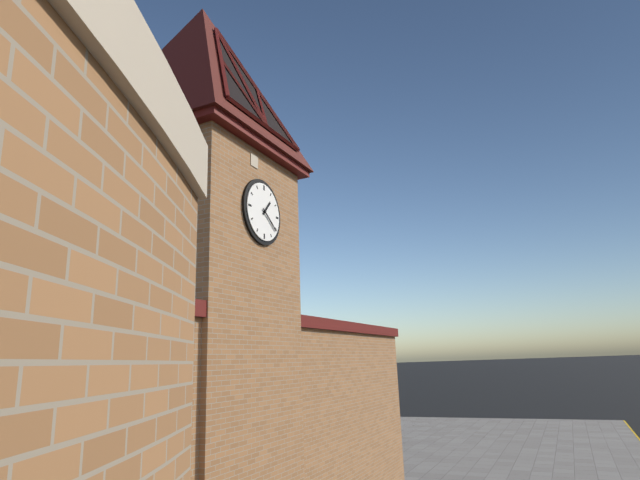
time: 1:21
